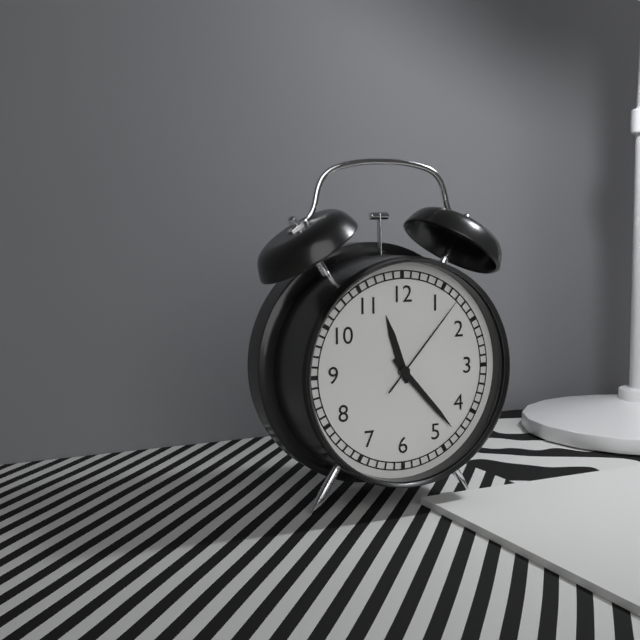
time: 11:23:07
